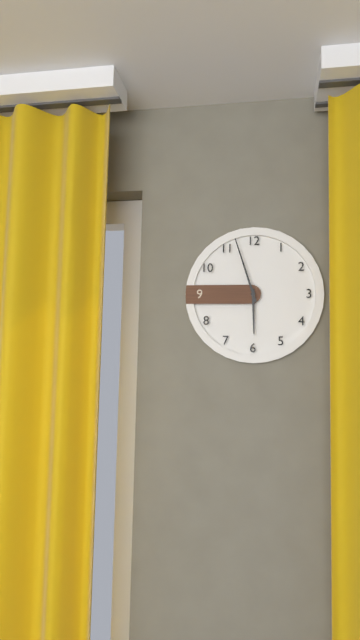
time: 5:57
